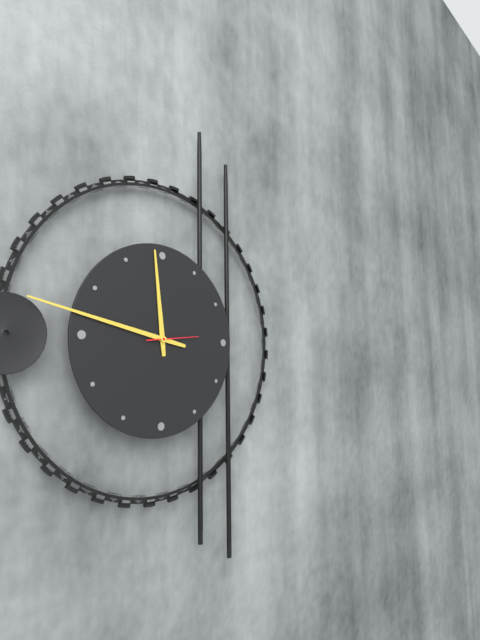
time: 11:47
